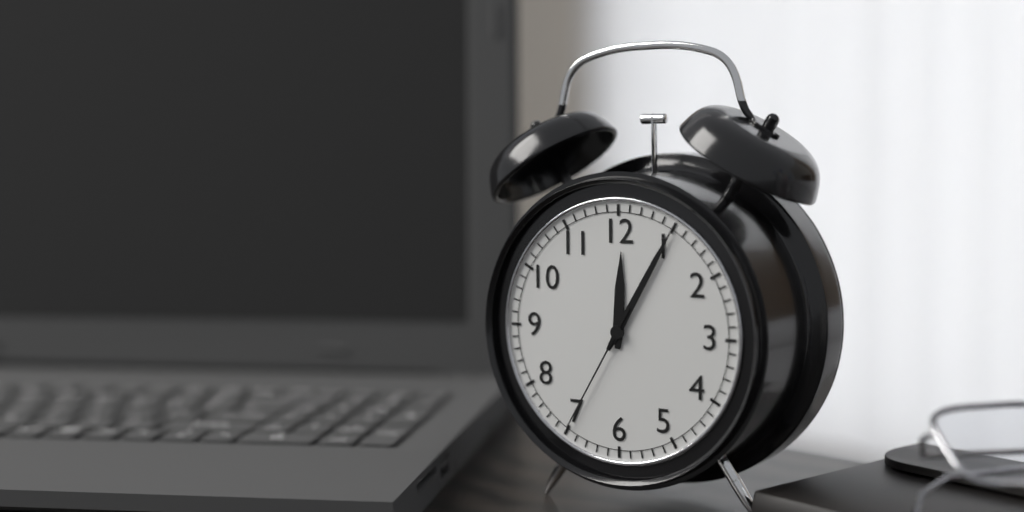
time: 12:05:35
